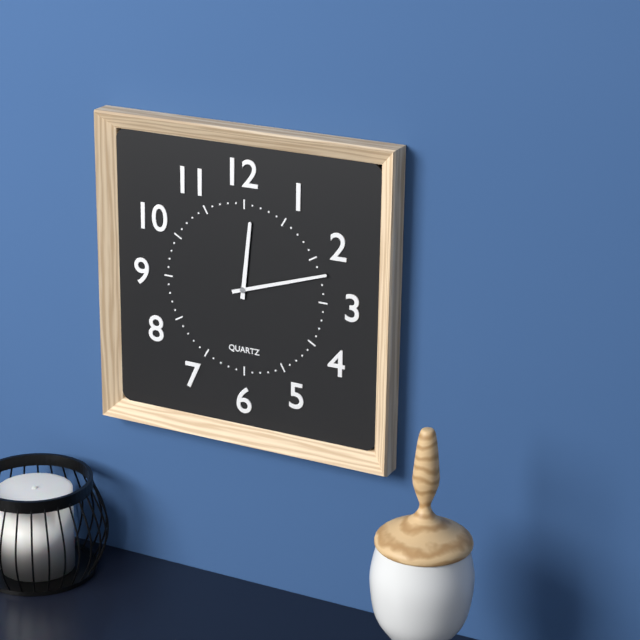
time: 12:12
